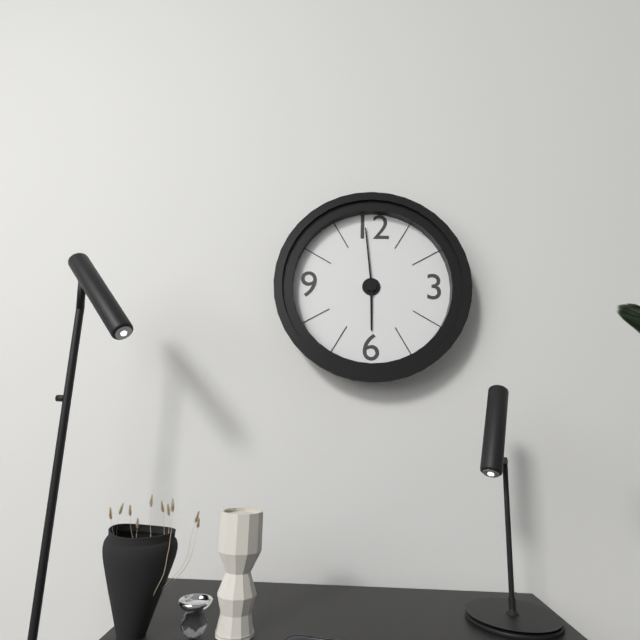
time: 5:59
